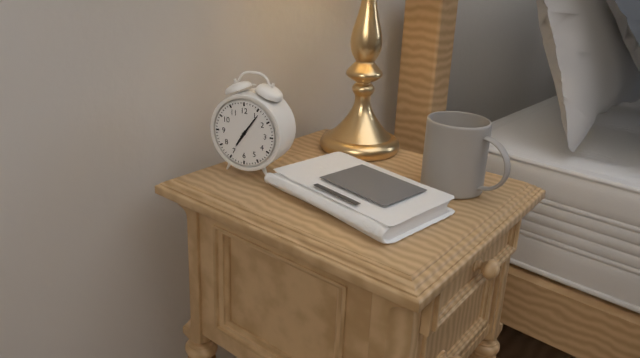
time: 7:06
